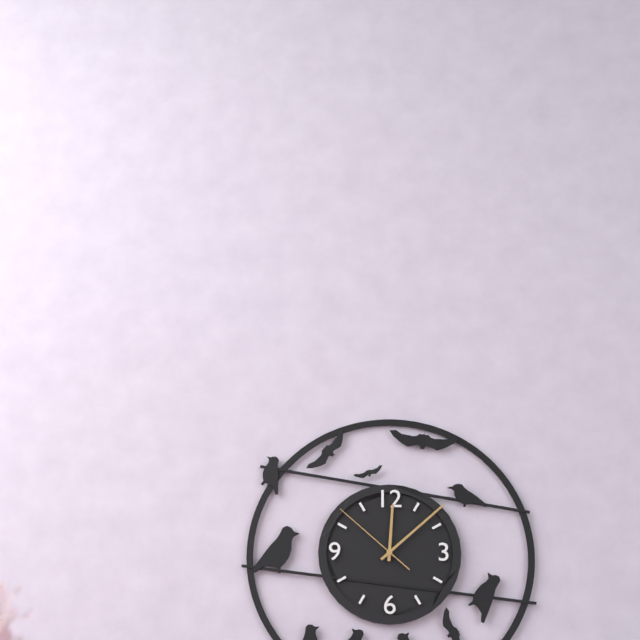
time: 12:08:52
